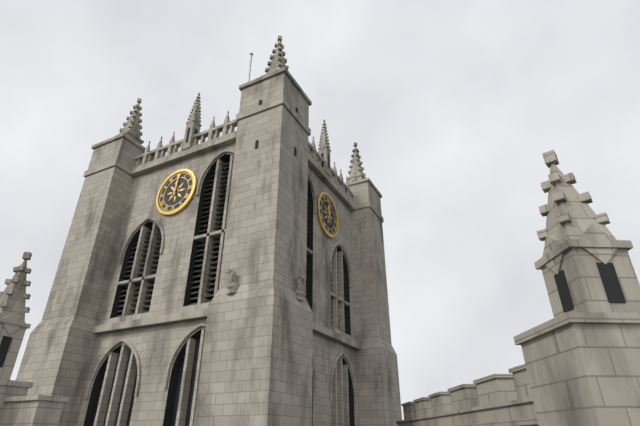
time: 12:01
